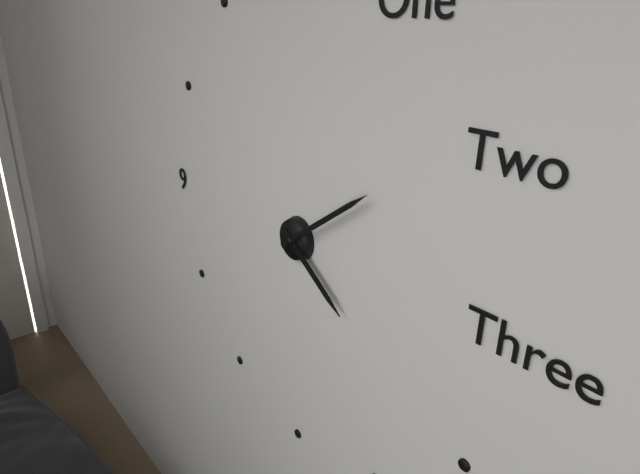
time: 4:09
